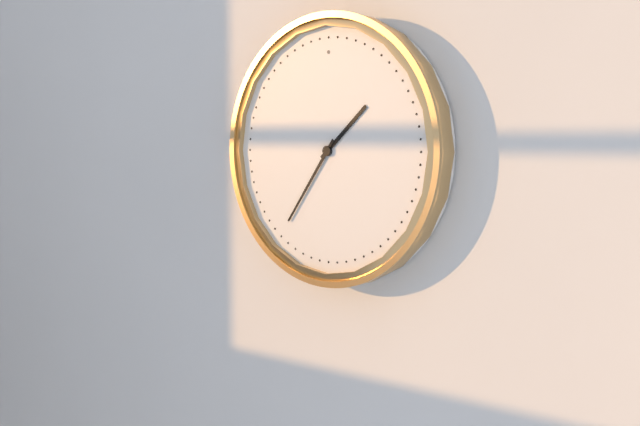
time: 1:36
